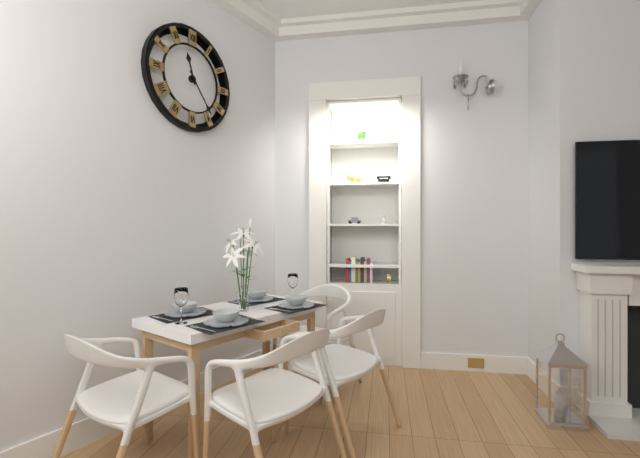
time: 11:24
